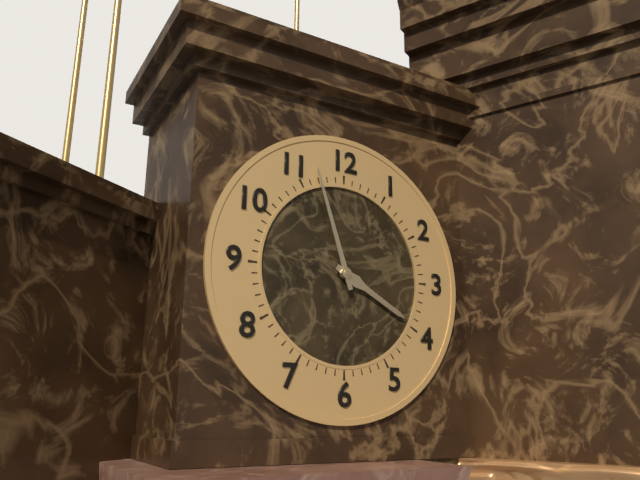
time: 3:57
